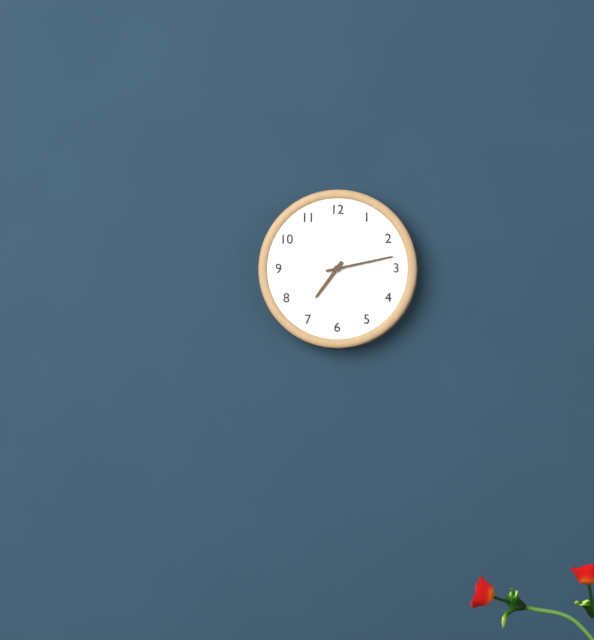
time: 7:13
